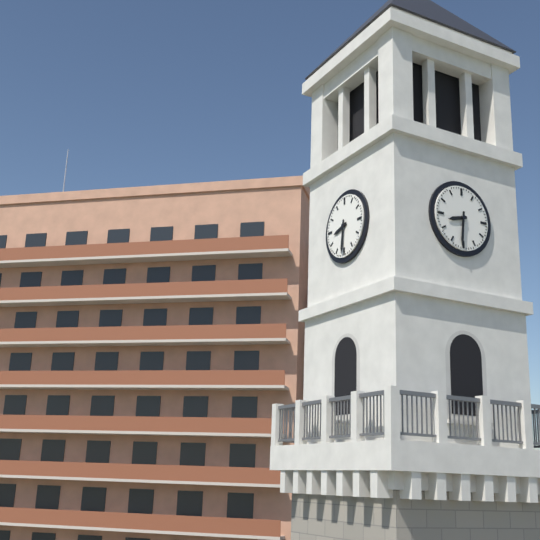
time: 8:31
